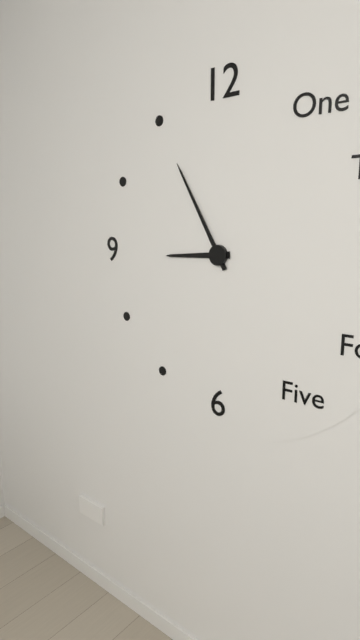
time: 8:55
